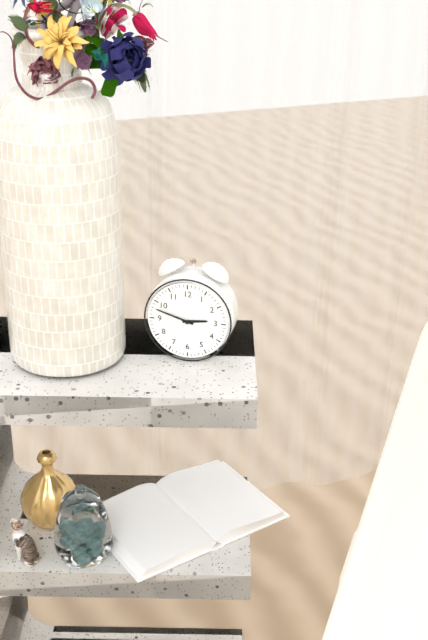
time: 2:48
